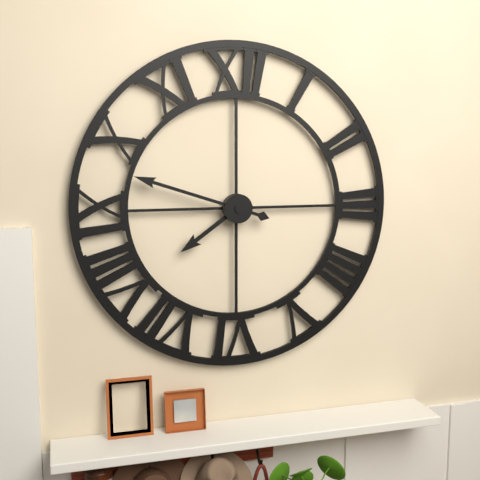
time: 7:48
